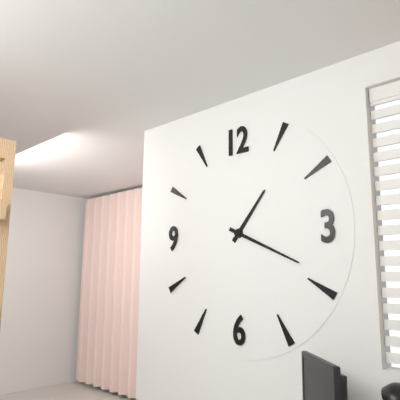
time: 1:19
